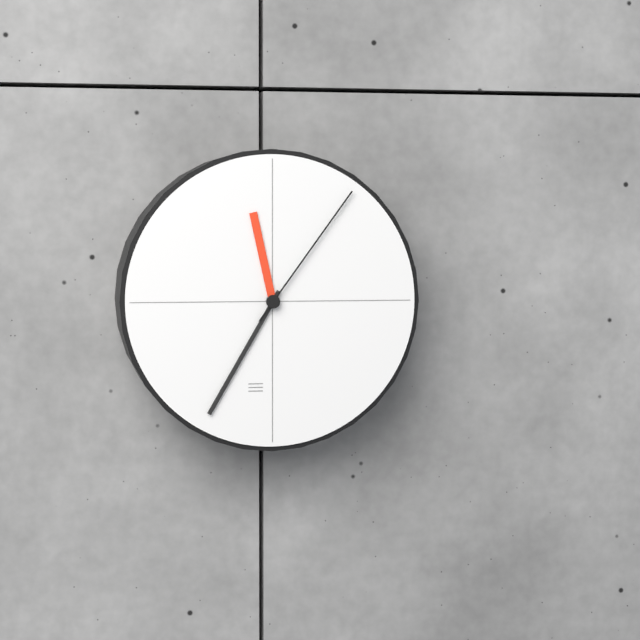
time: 11:35:06
